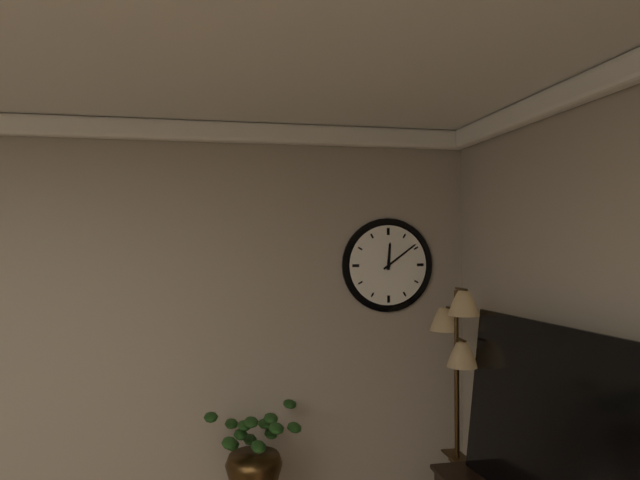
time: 12:09
